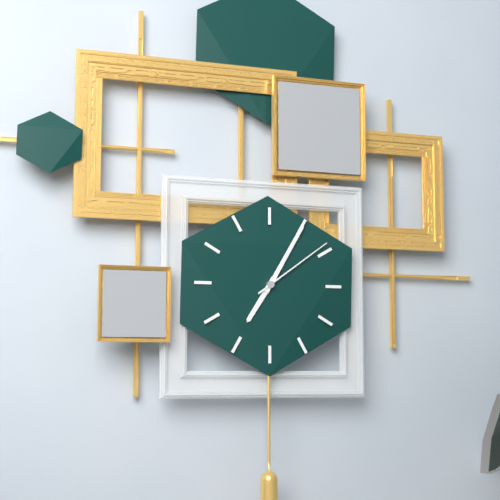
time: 7:05:09
